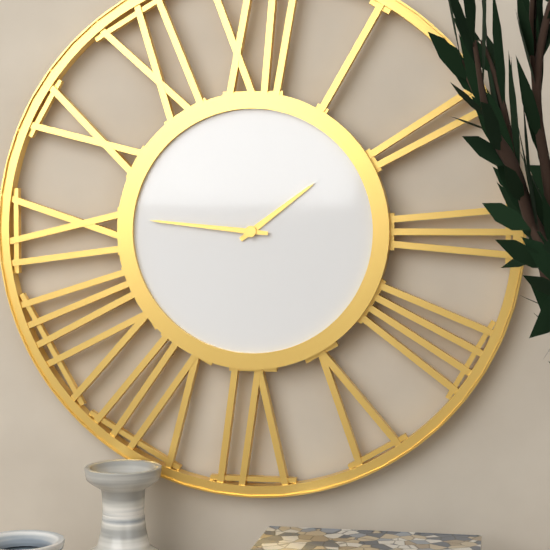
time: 1:46
